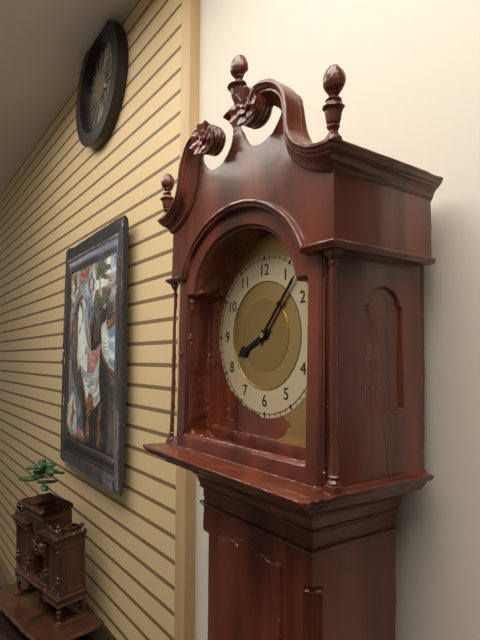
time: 8:07
